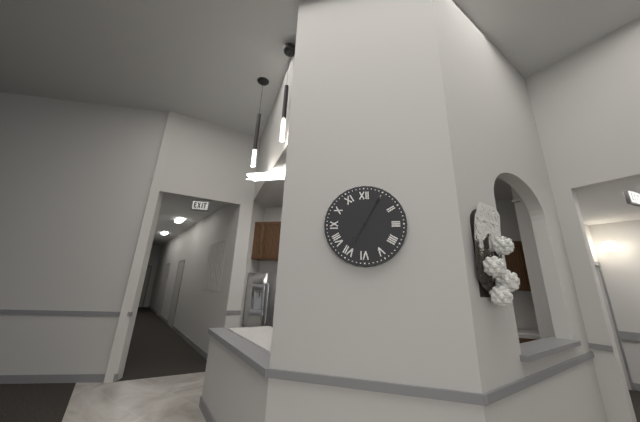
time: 7:05
